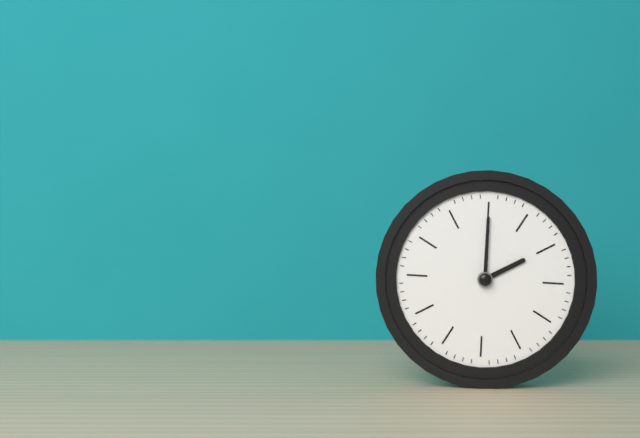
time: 2:00
